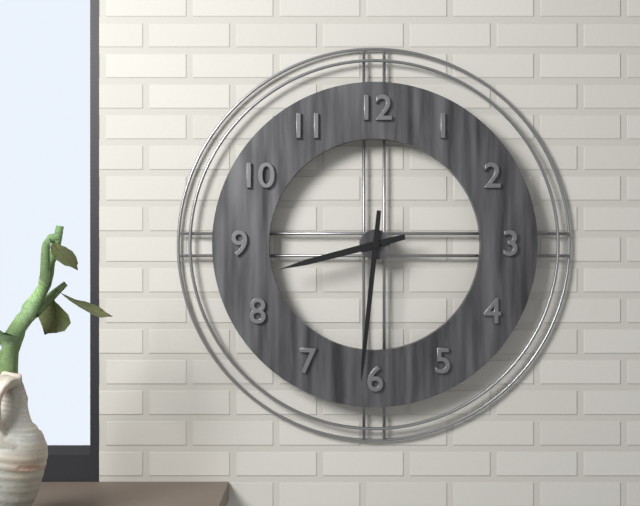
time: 8:31
